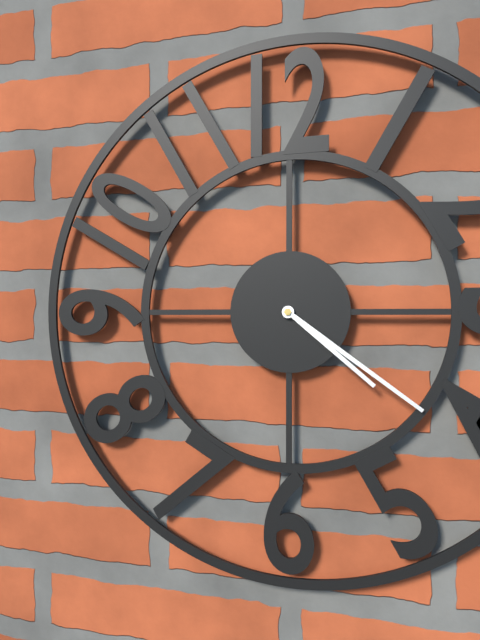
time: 4:21
